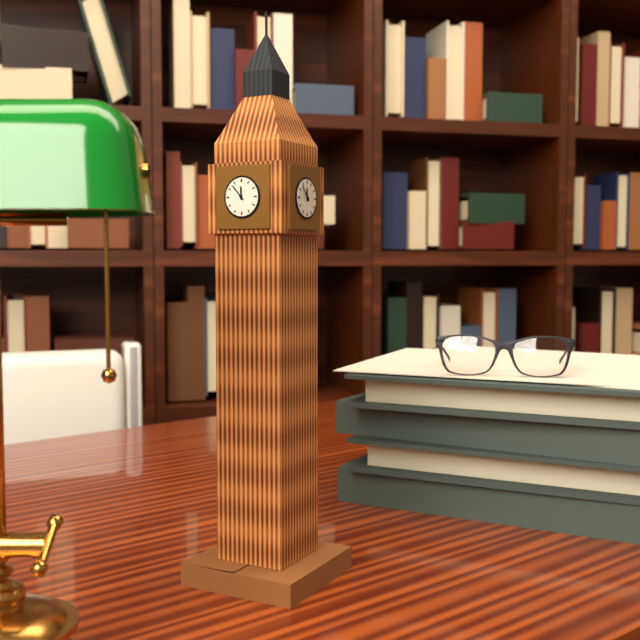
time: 11:53
